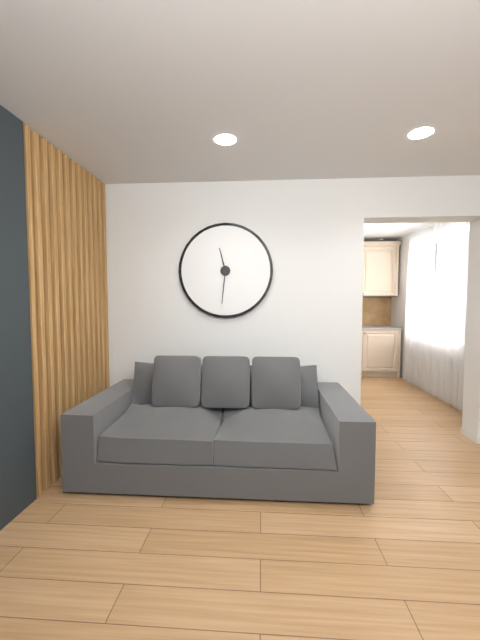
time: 11:31
